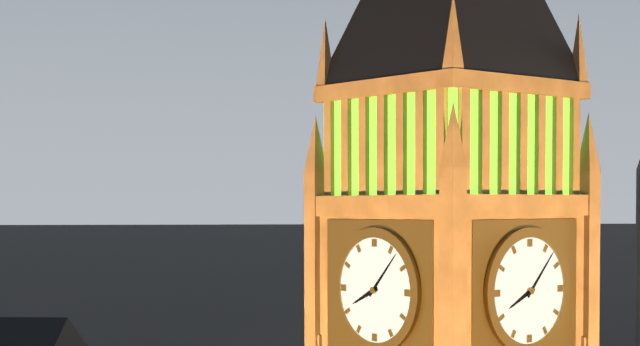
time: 8:07
